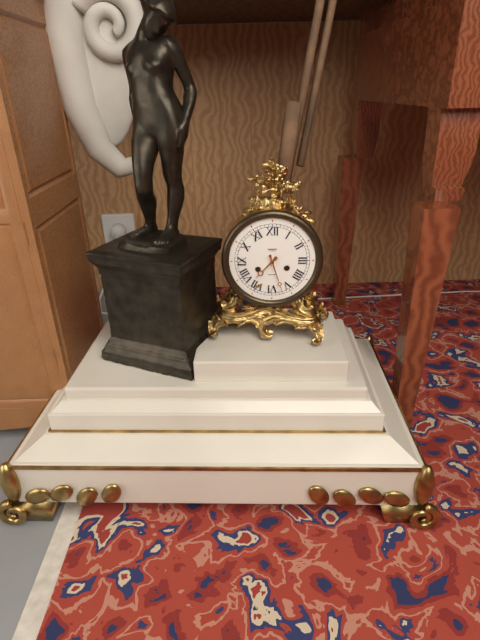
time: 7:27
